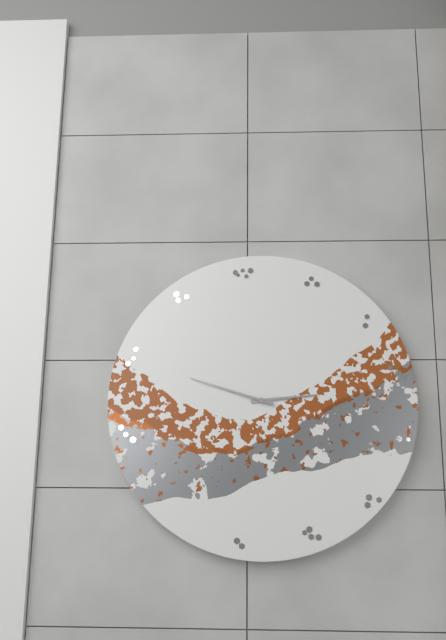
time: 2:48
